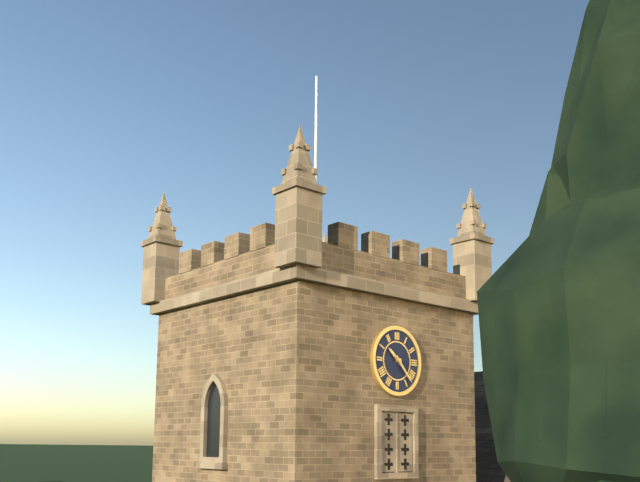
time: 10:23
